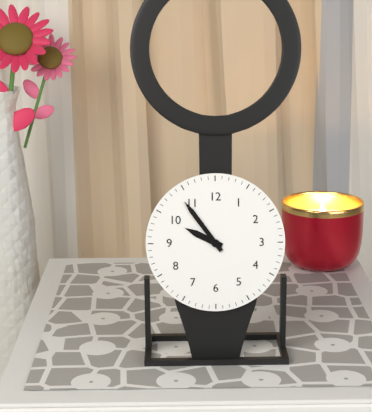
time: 9:54
